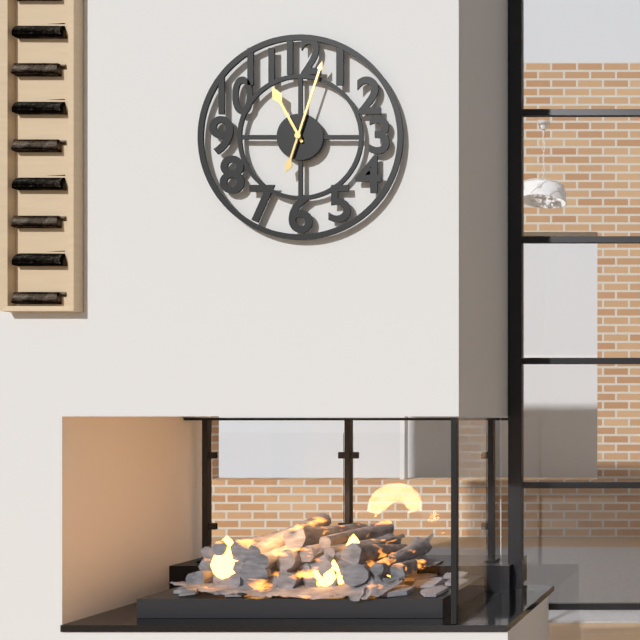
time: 11:03
